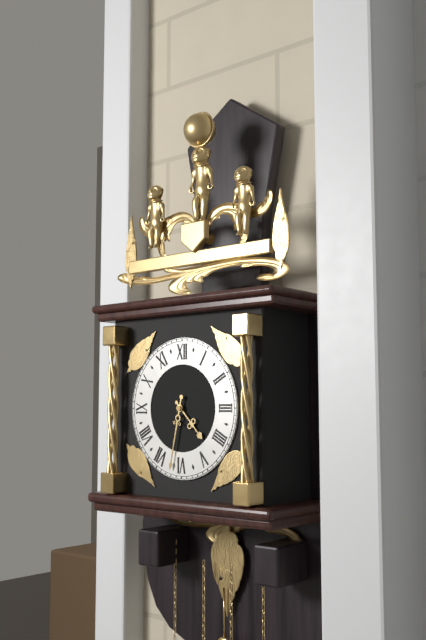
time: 4:32
